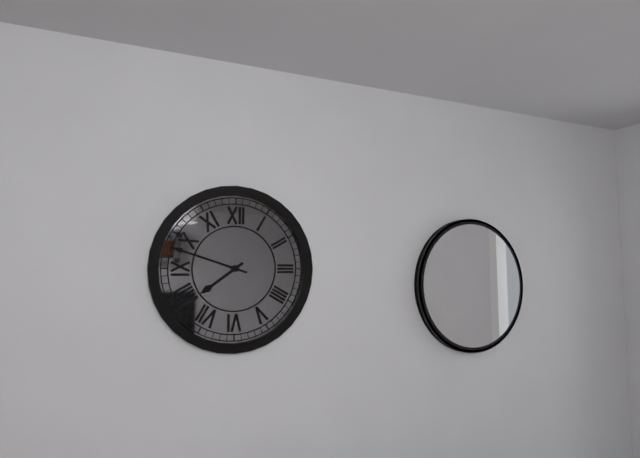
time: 7:48
